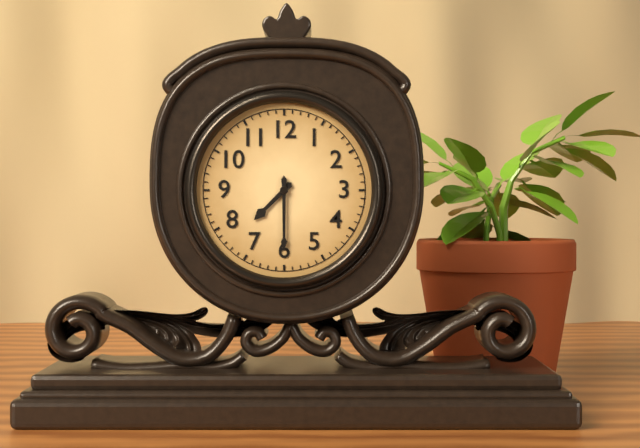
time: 7:30
